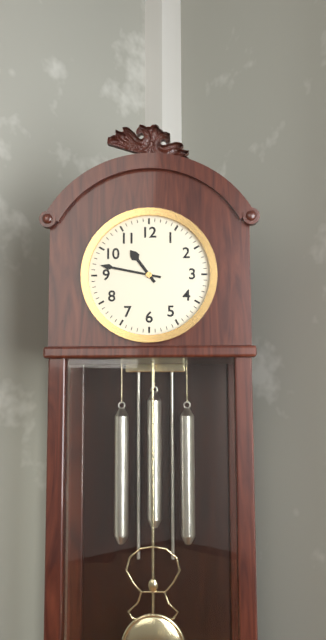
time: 10:47
